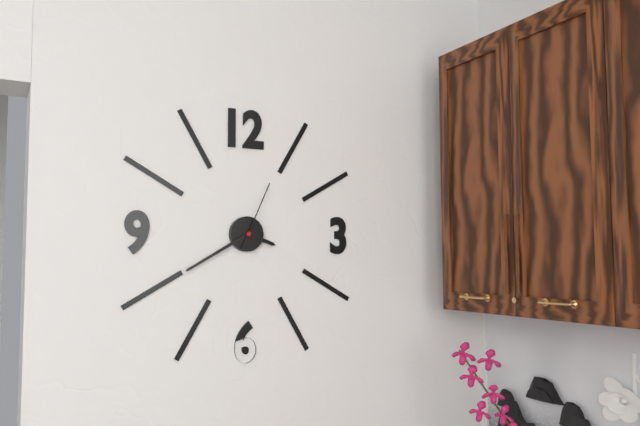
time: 3:40:04
